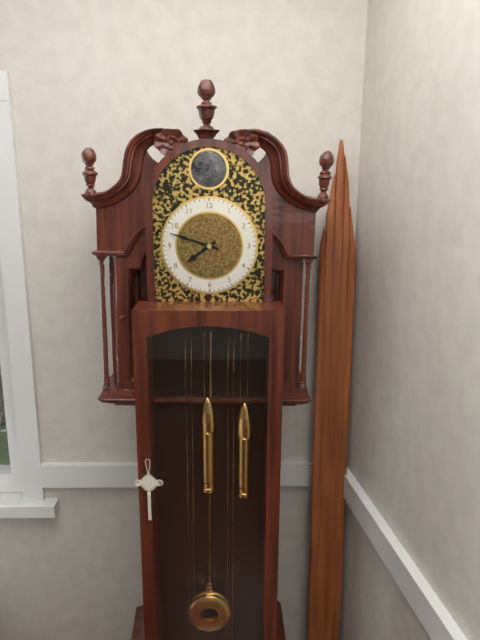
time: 7:48
